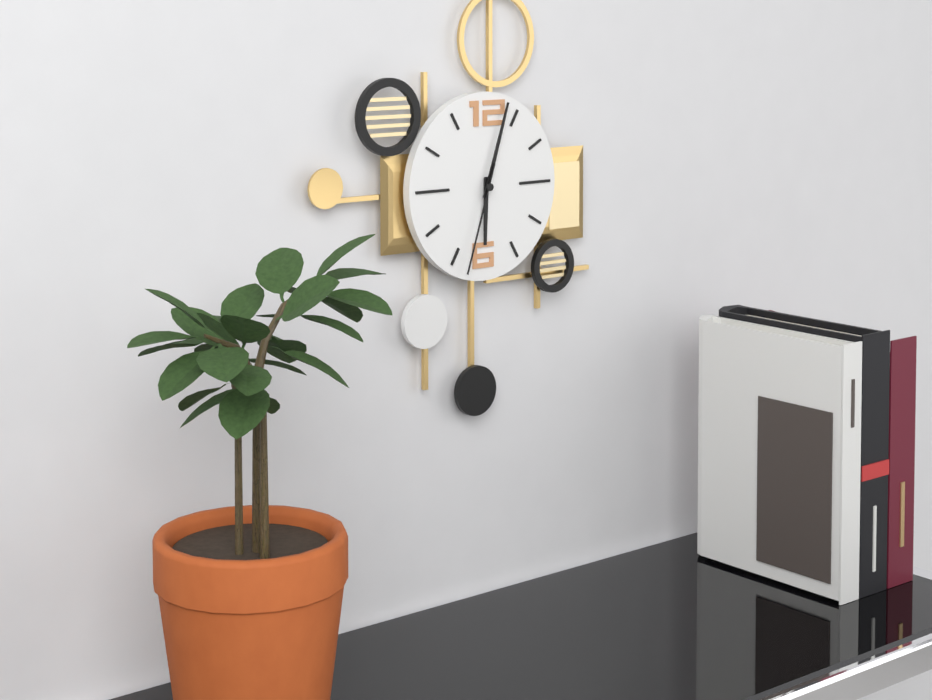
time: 6:03:33
